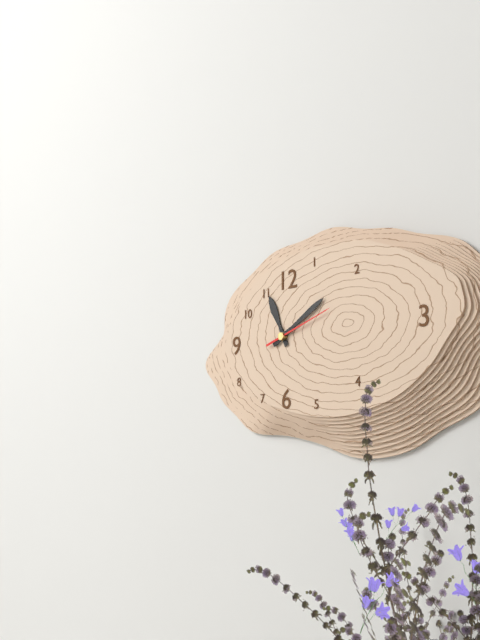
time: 11:10:12
